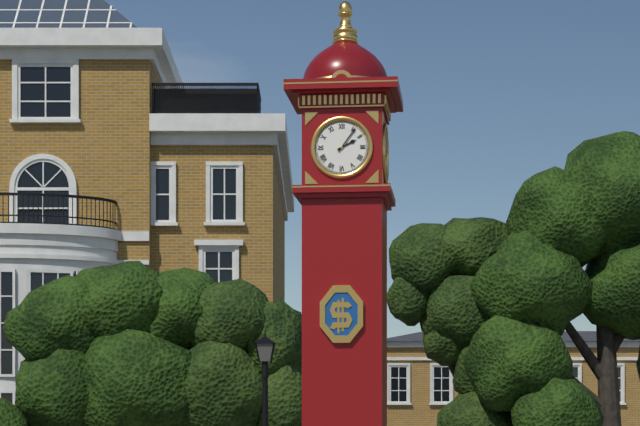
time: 2:06
